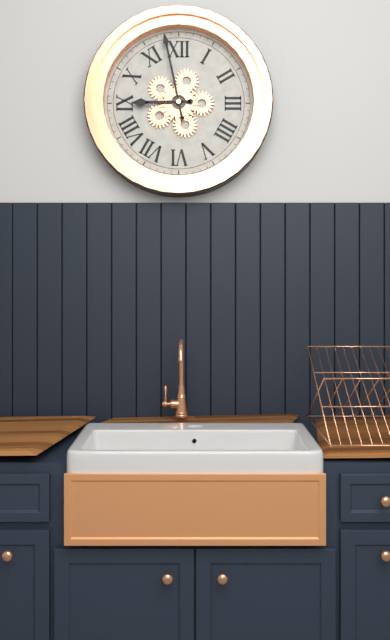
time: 8:58
